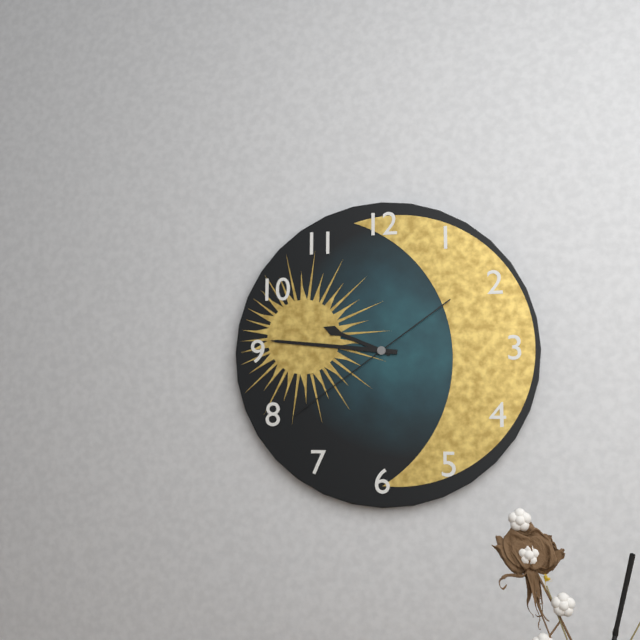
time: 9:46:39
